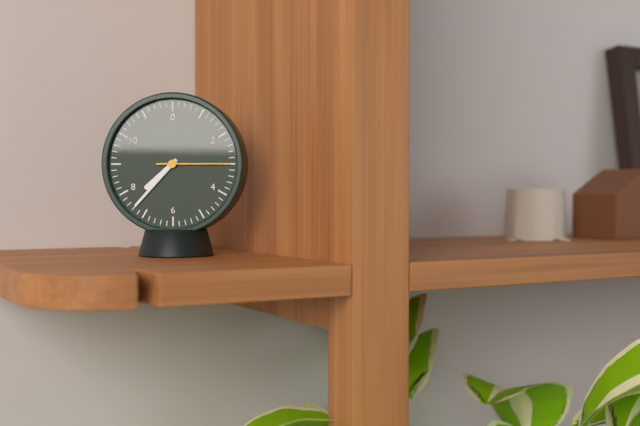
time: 7:37:15
